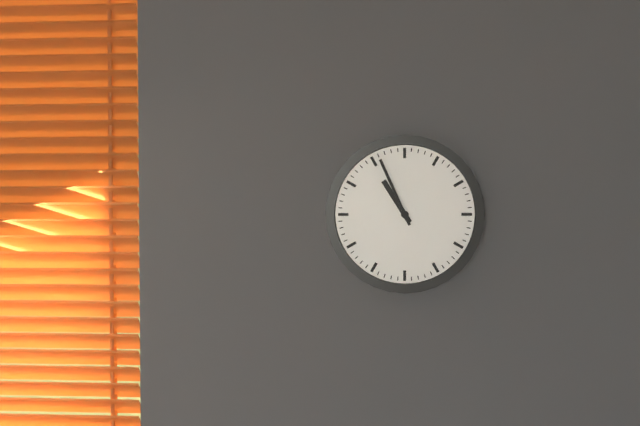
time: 10:56
